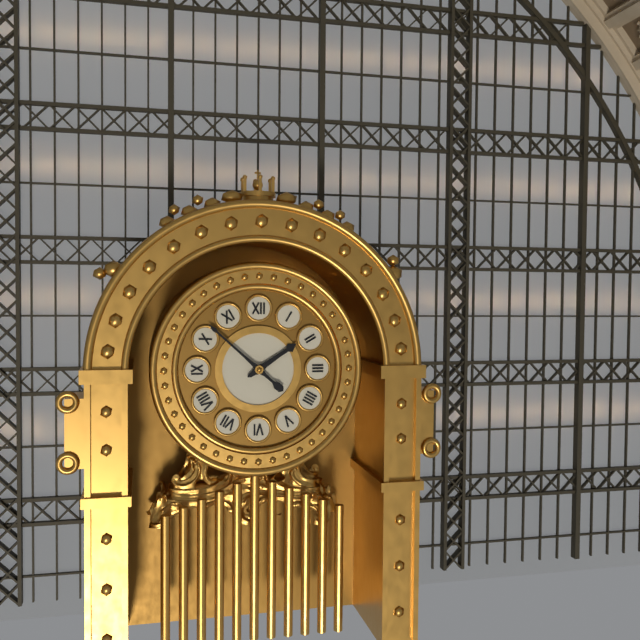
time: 1:52
